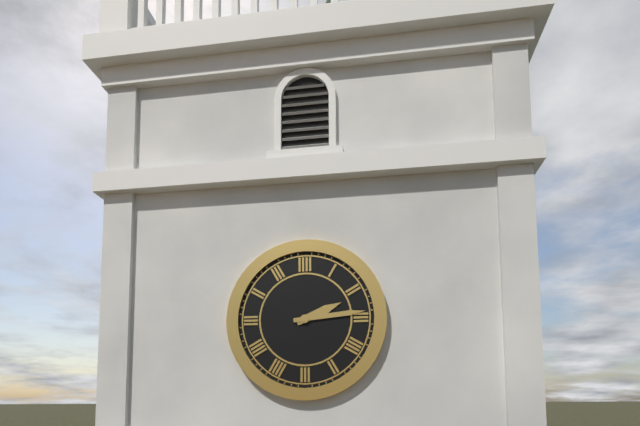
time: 2:14
